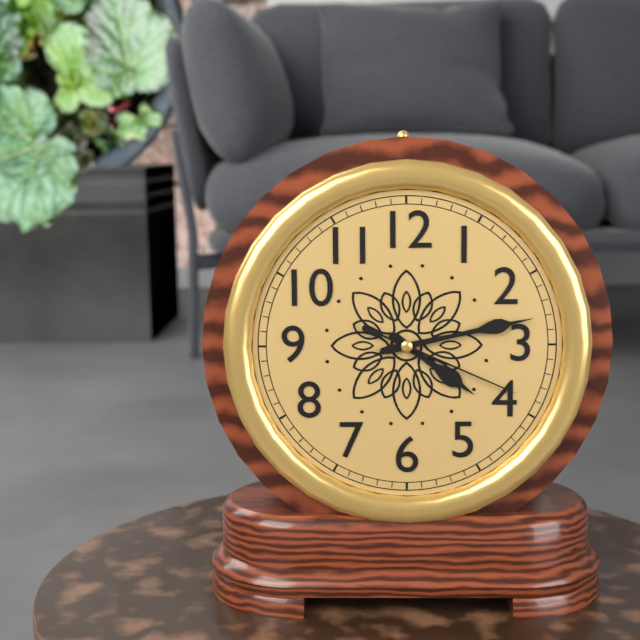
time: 4:13:19
